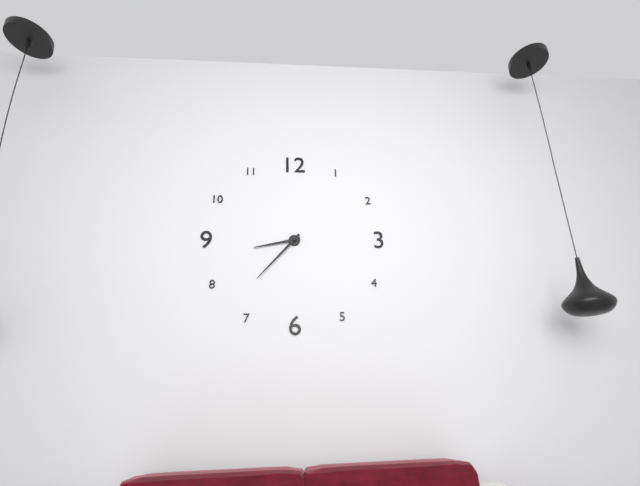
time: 8:37
